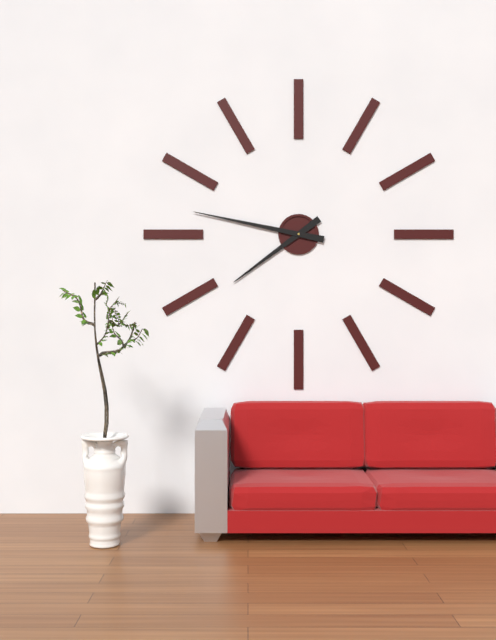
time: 7:47
